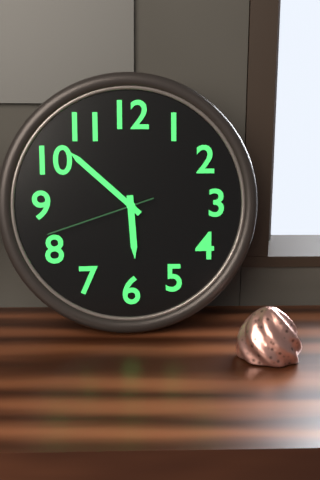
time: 5:52:42
